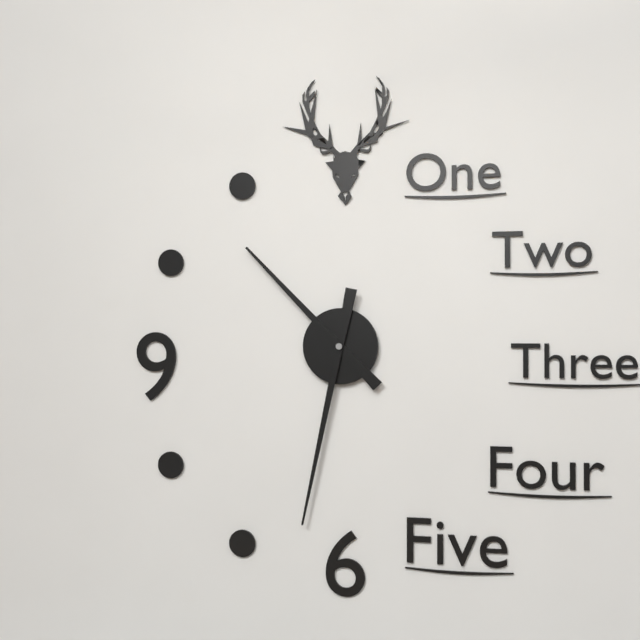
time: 10:32
